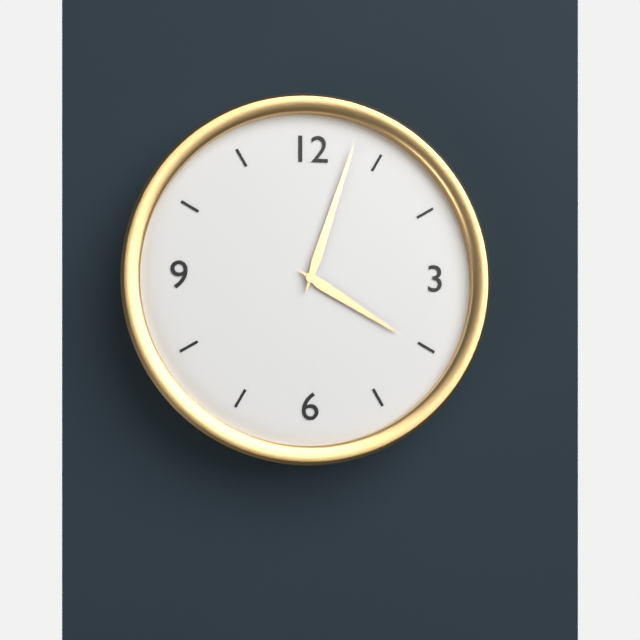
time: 4:03
